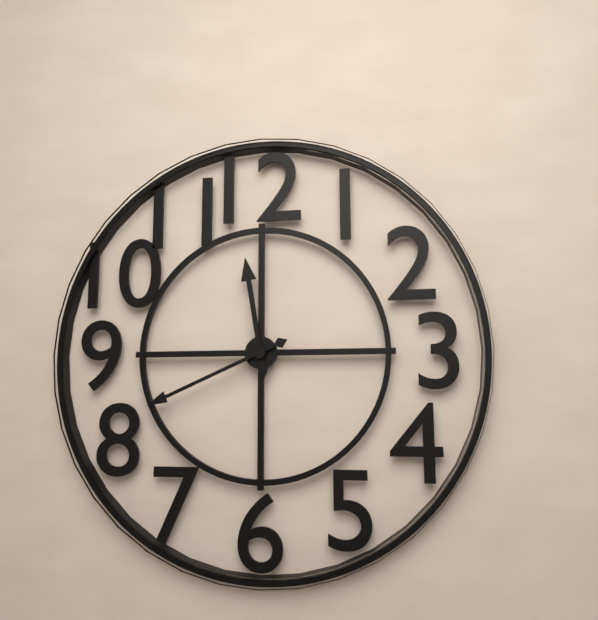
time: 11:41
